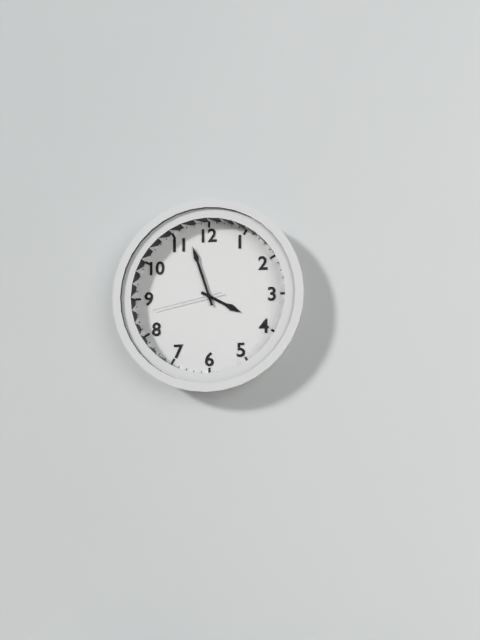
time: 3:57:43
